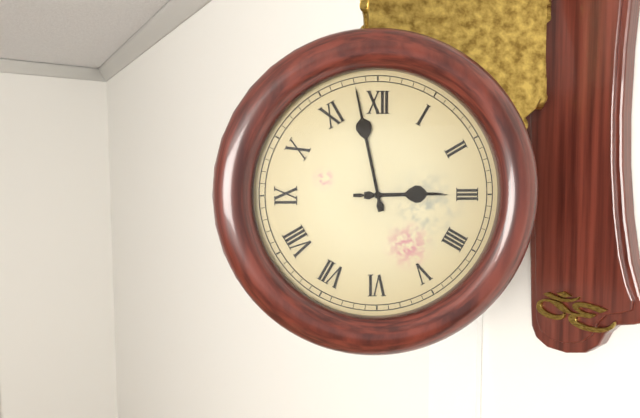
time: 2:58:15
